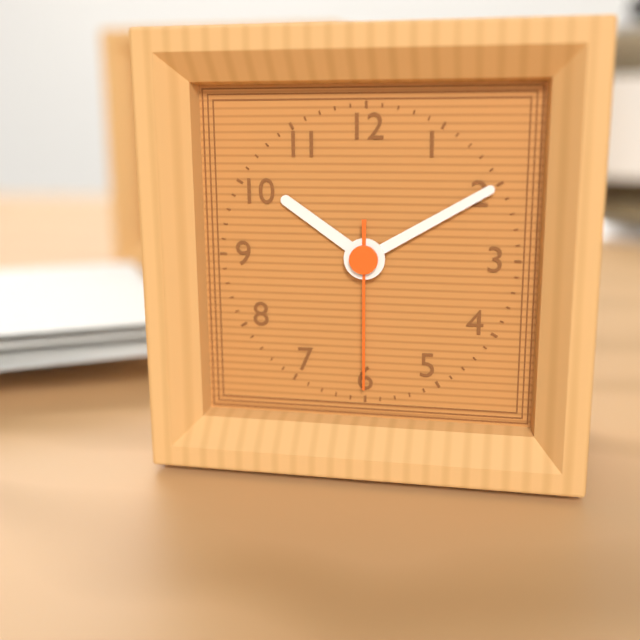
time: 10:10:30
